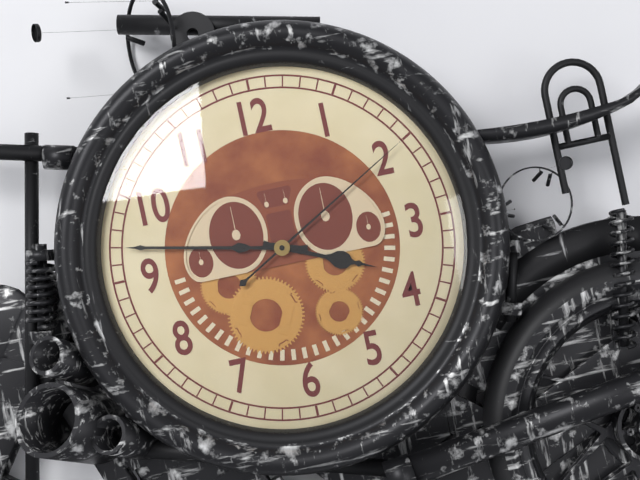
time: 3:47:10
